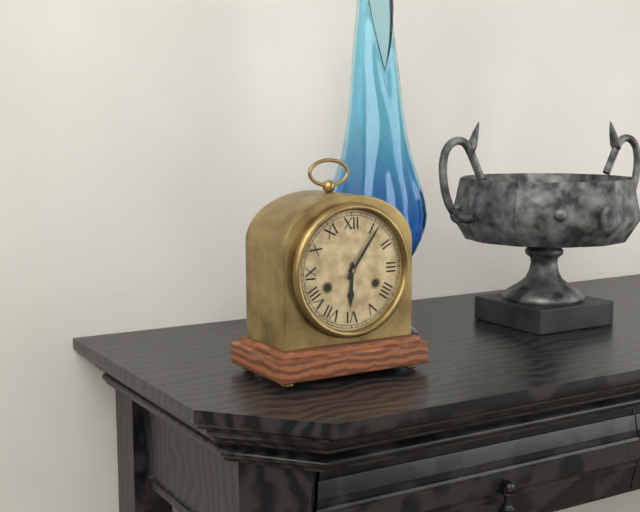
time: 6:06
